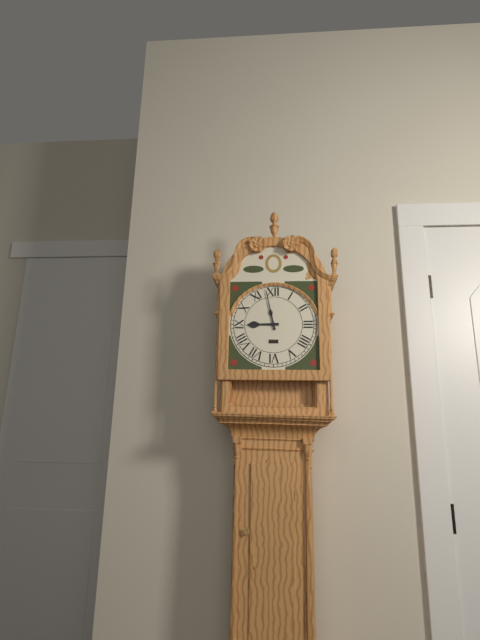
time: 8:58
